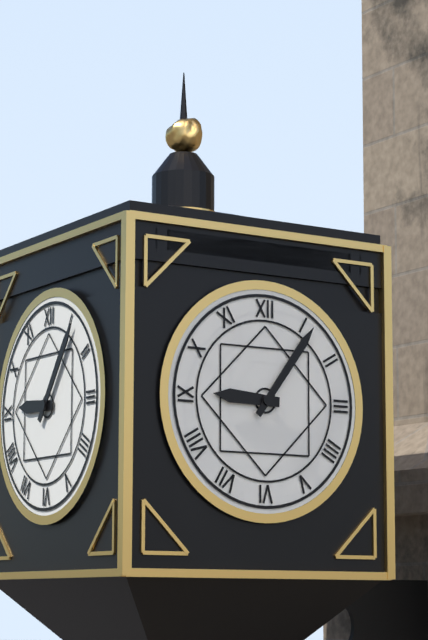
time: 9:06
